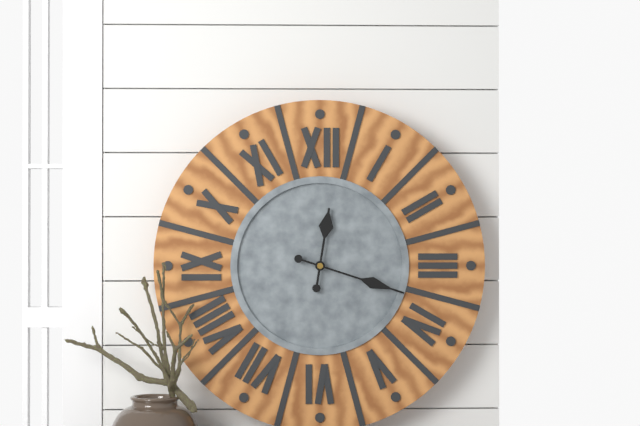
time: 12:18
